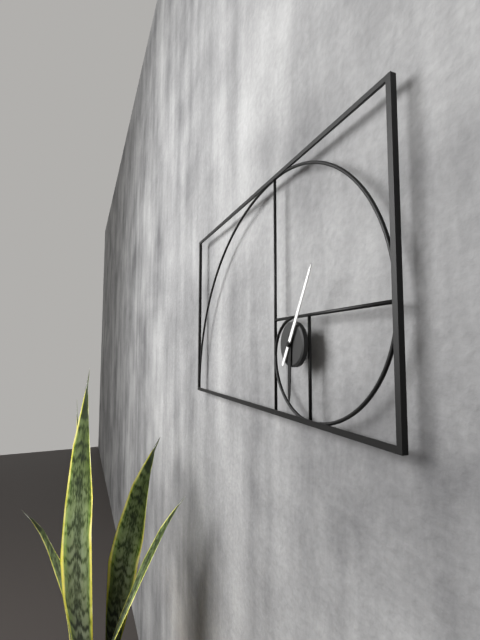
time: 6:05
